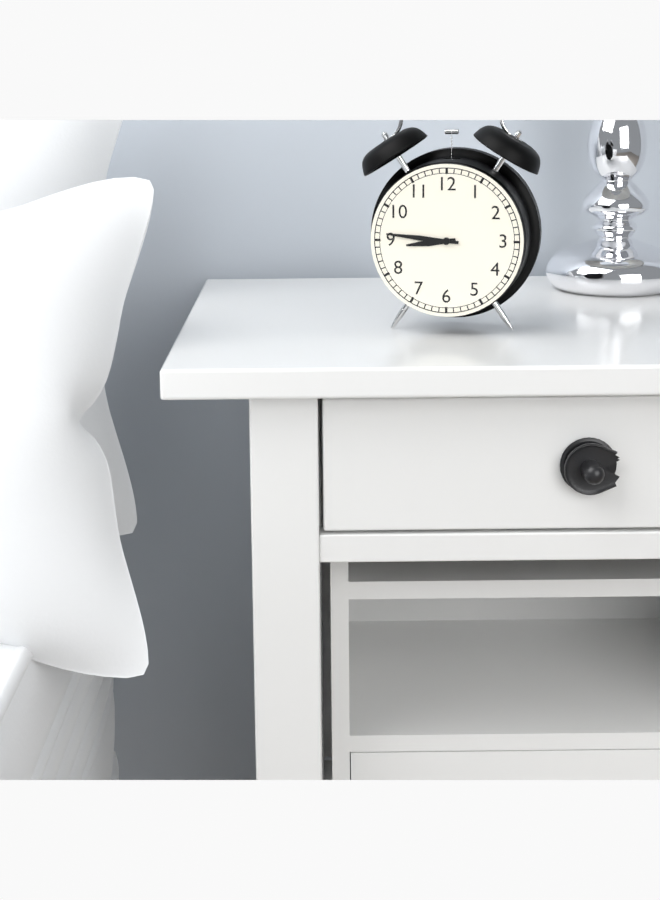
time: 8:46
